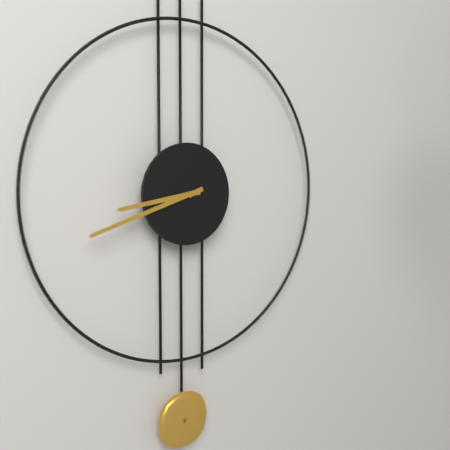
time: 8:42
